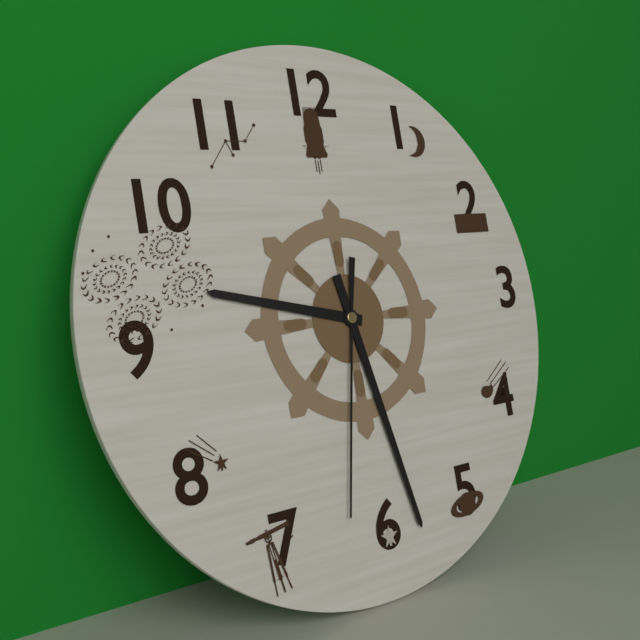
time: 9:28:32
